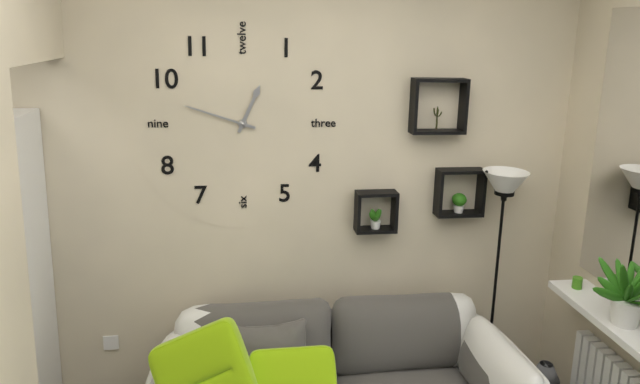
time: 12:48
